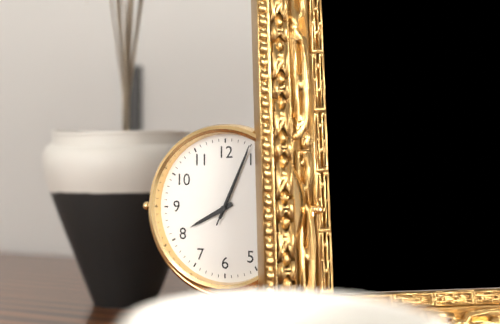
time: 8:04:04
